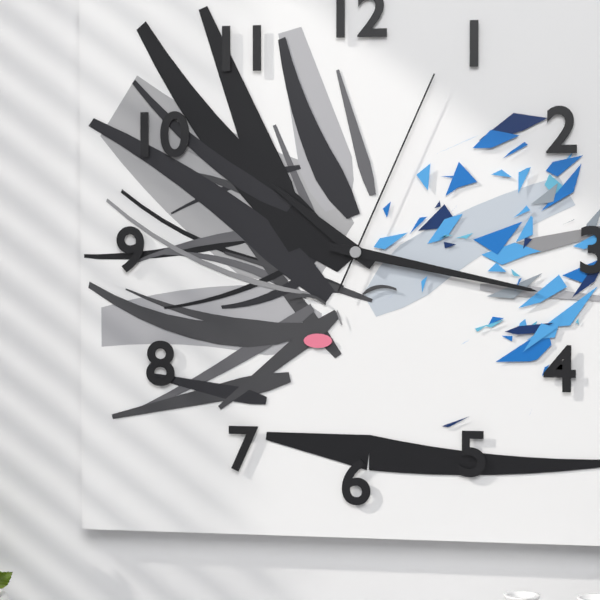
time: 10:17:04
